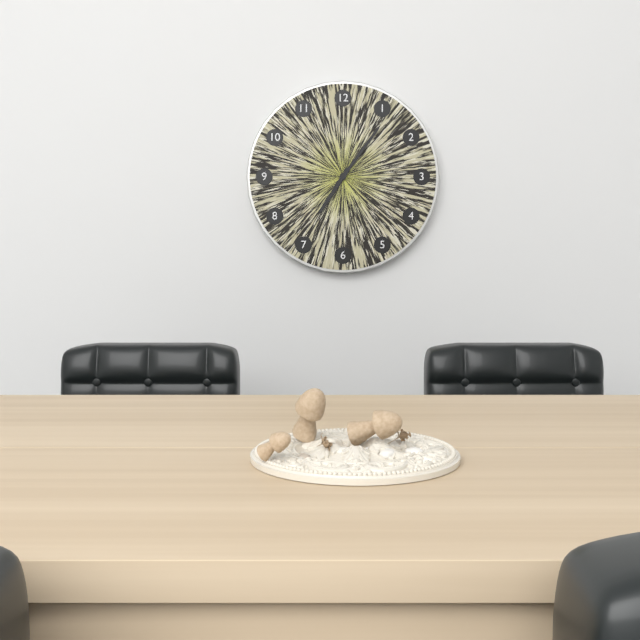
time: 7:06
